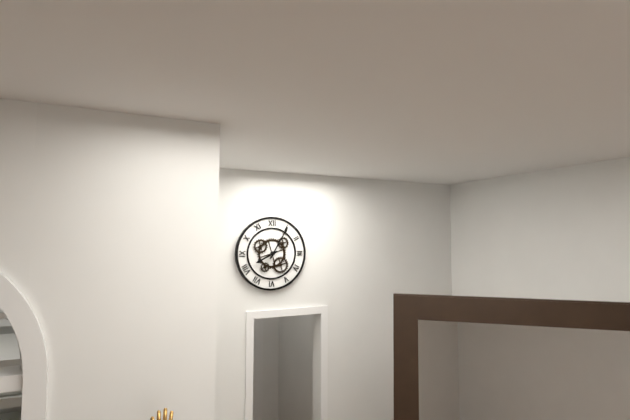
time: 8:05
